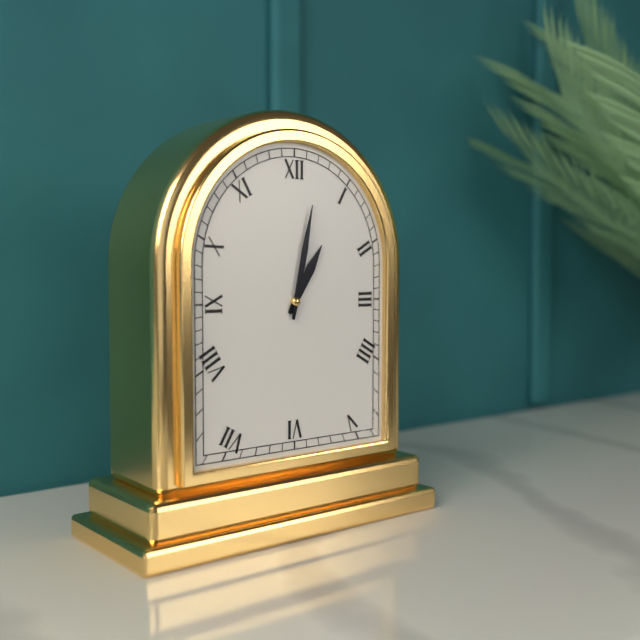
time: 1:02
